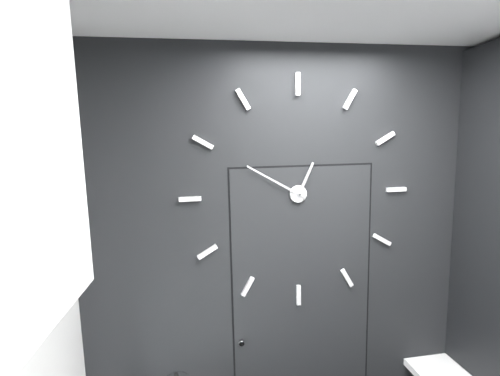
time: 12:50
